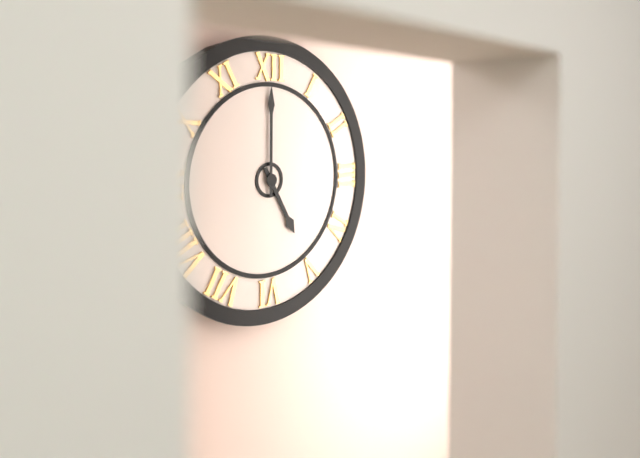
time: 5:00
